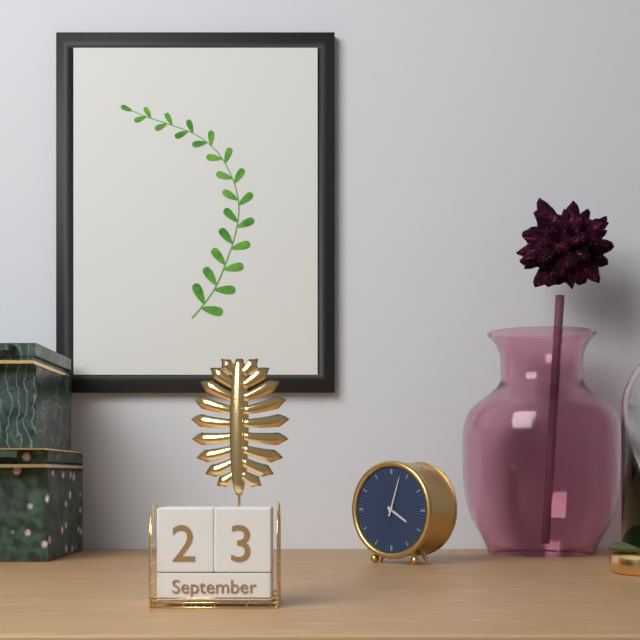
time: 4:03
